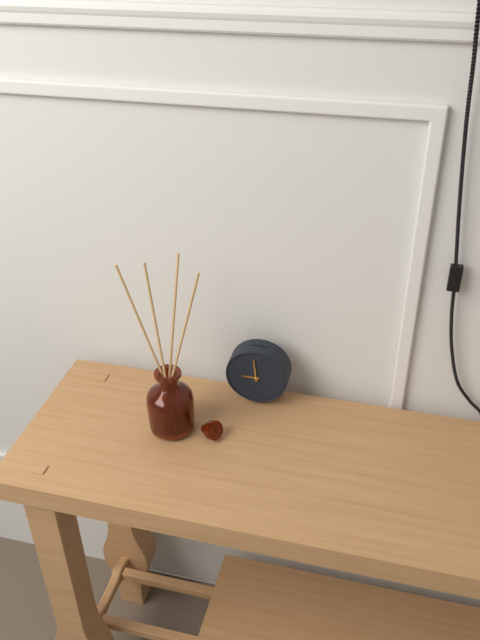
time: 8:59
